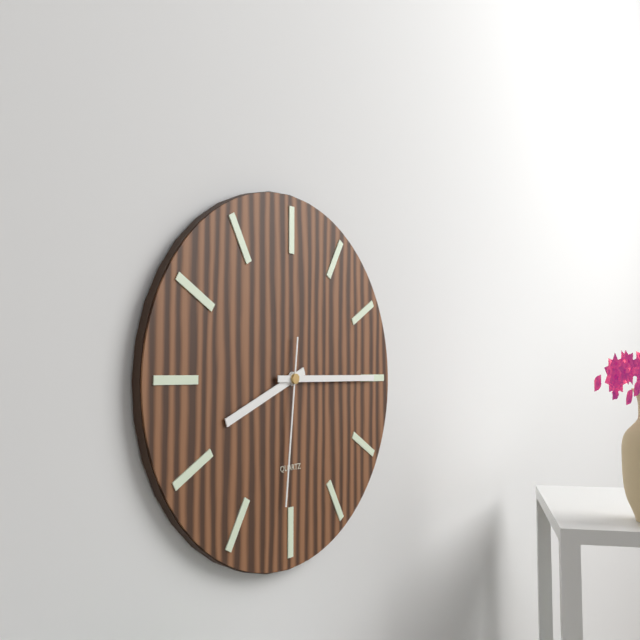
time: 8:15:31
